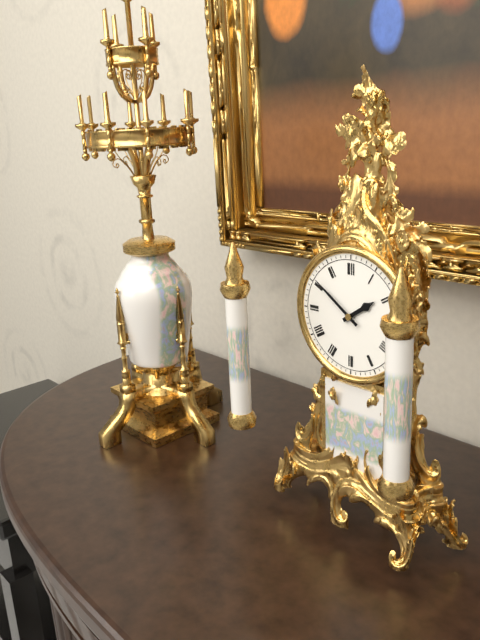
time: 1:51
